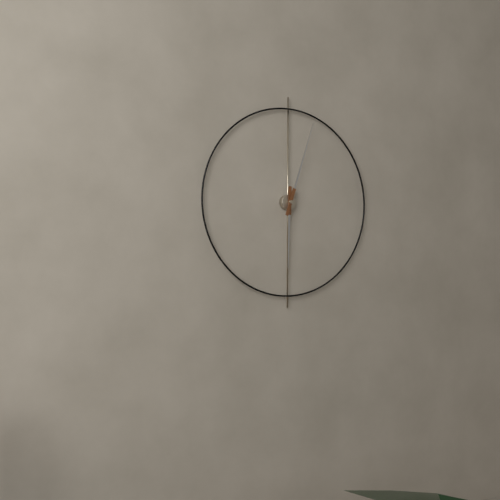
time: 6:03
